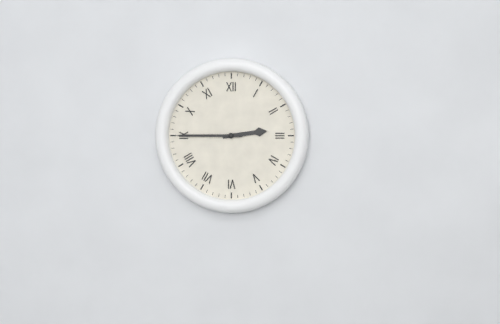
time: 2:45
